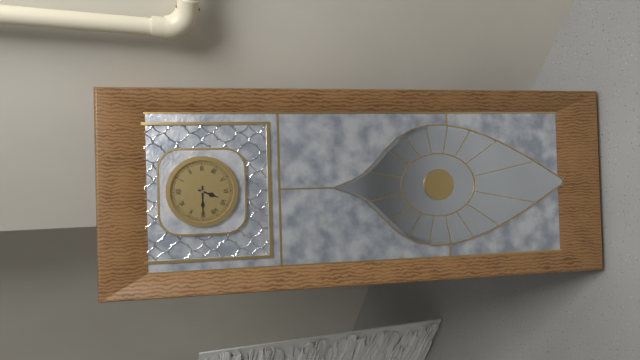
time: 6:45
